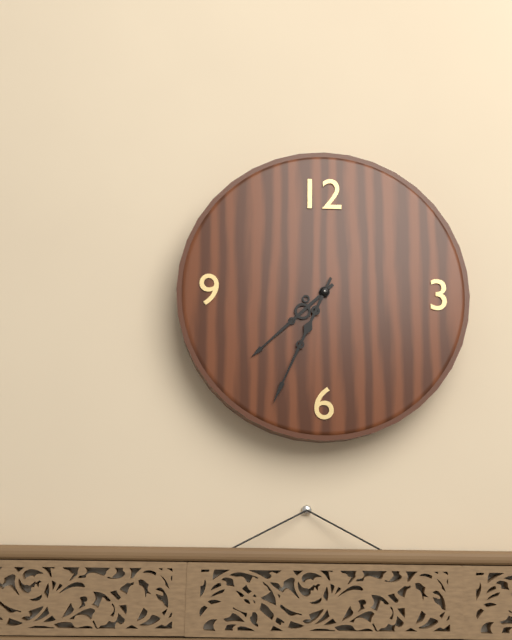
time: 7:34
